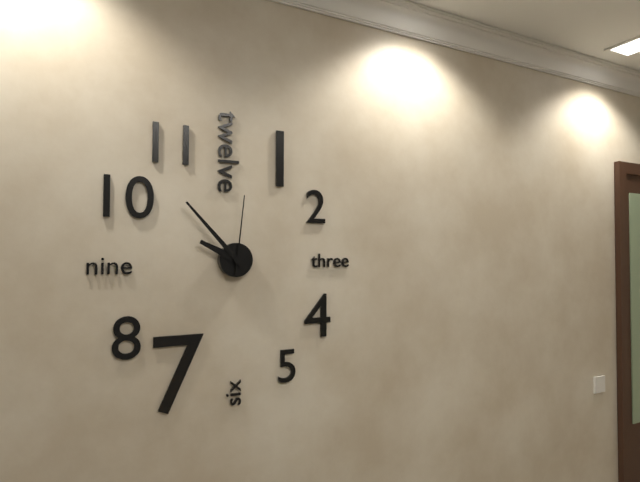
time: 9:53:01
